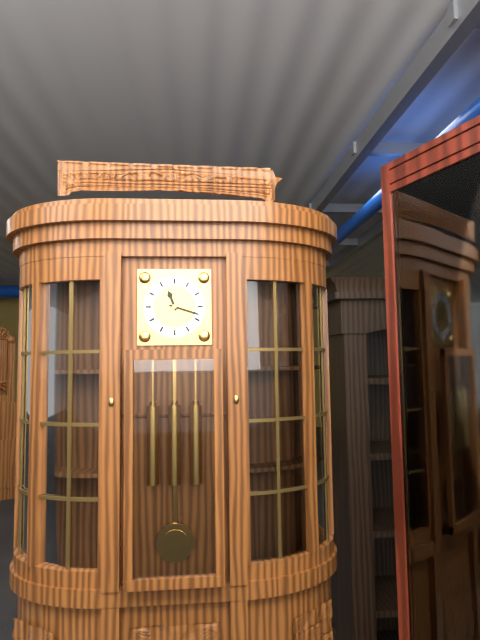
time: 11:18
